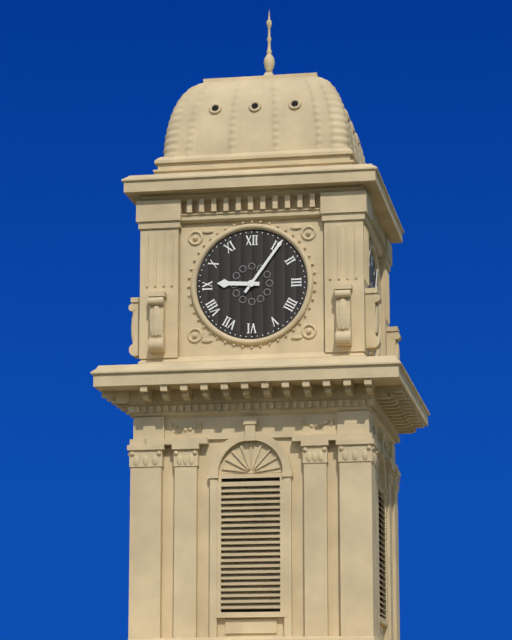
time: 9:06
